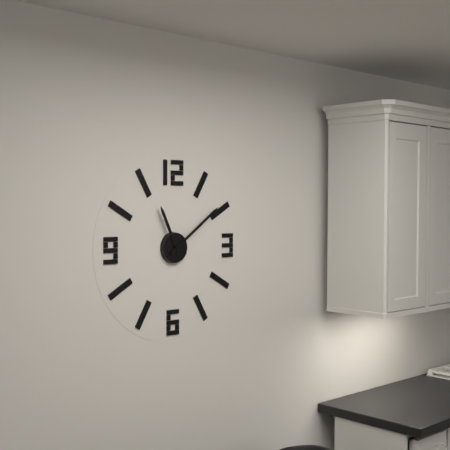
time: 11:09
